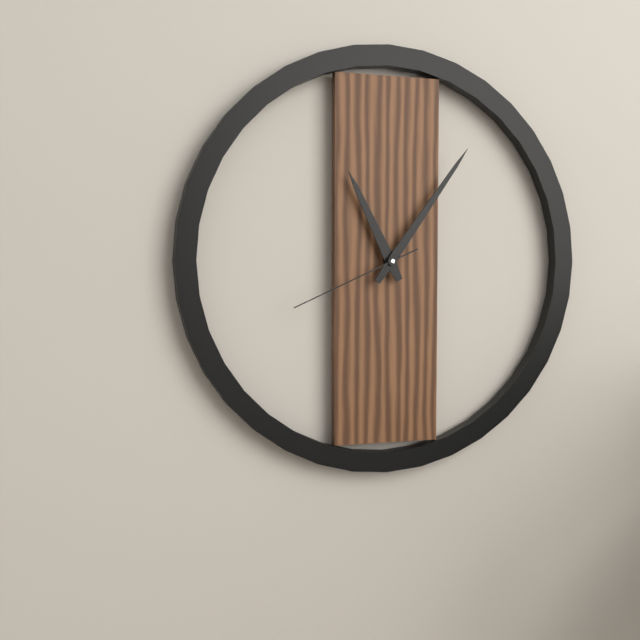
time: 11:06:41
